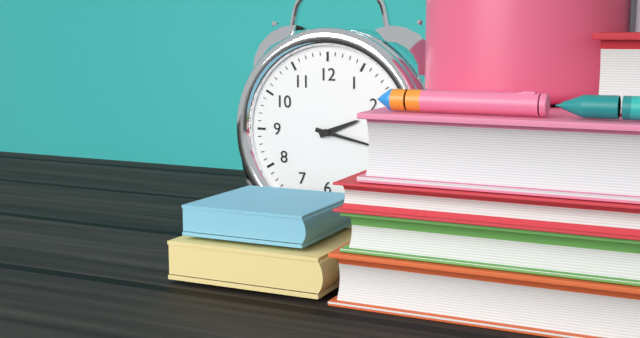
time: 2:17
